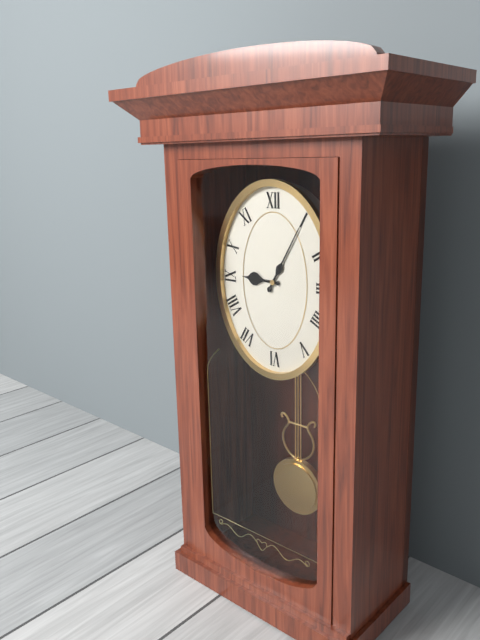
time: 9:05
